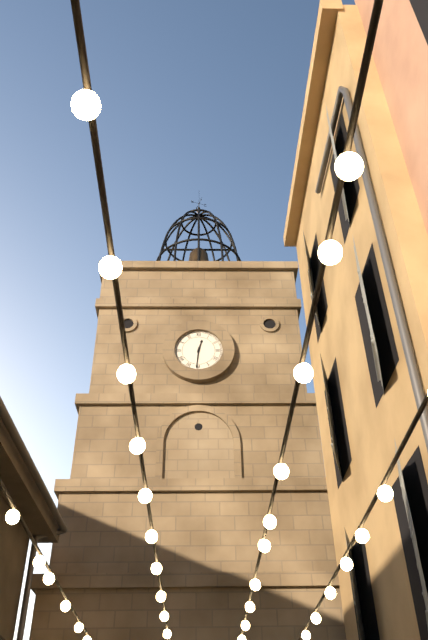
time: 12:31
